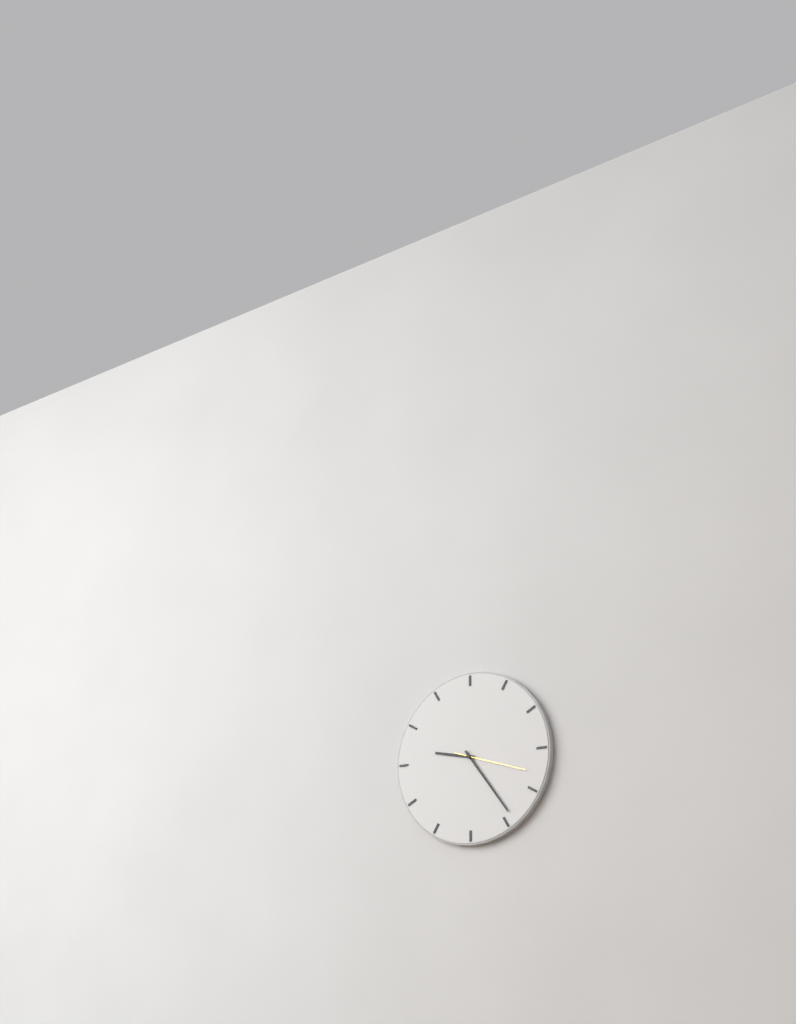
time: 9:24:18
